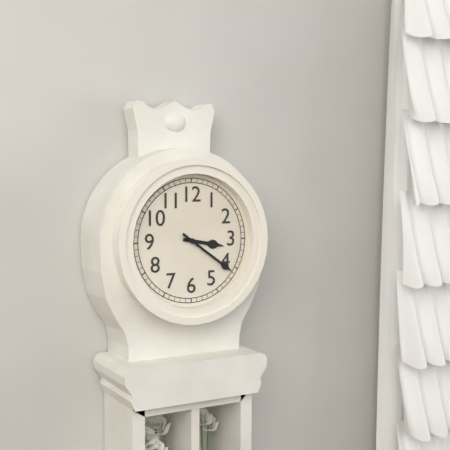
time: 3:21
